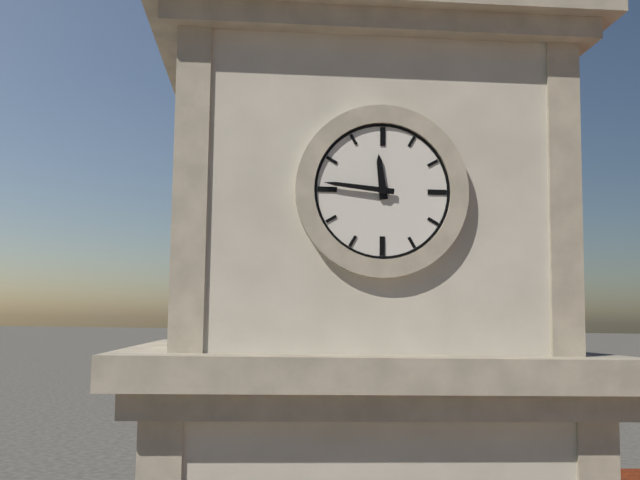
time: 11:46
